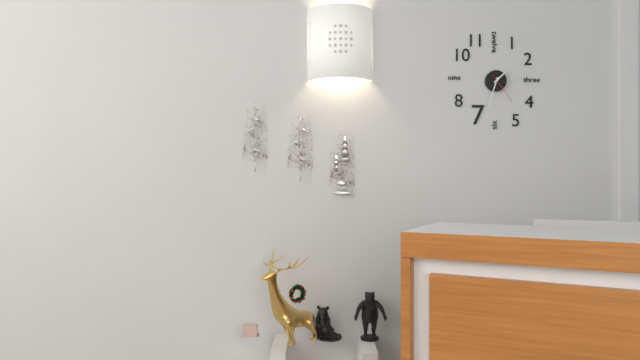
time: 1:33
